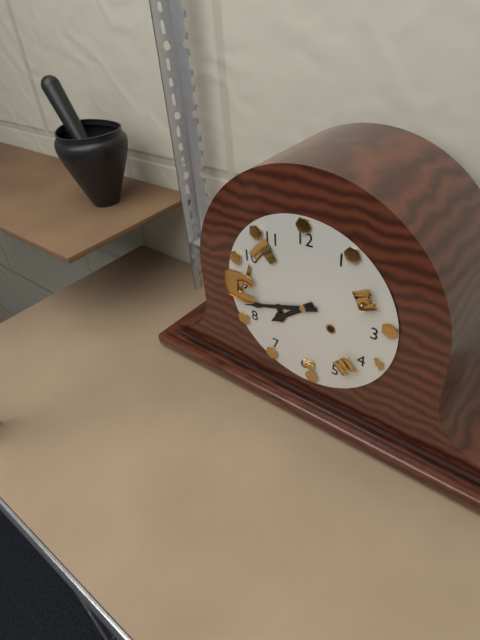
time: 7:42
